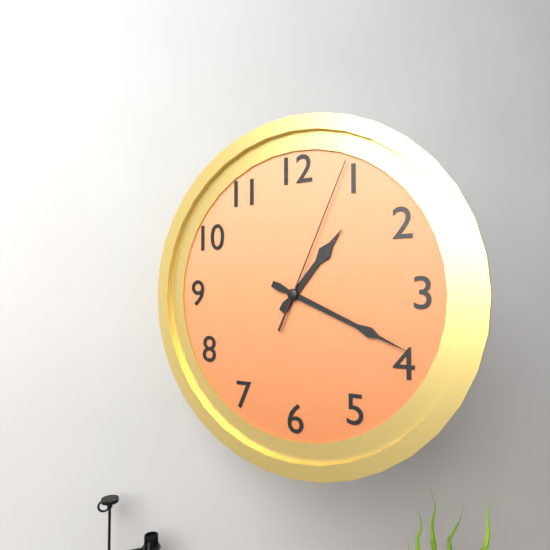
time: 1:19:04
